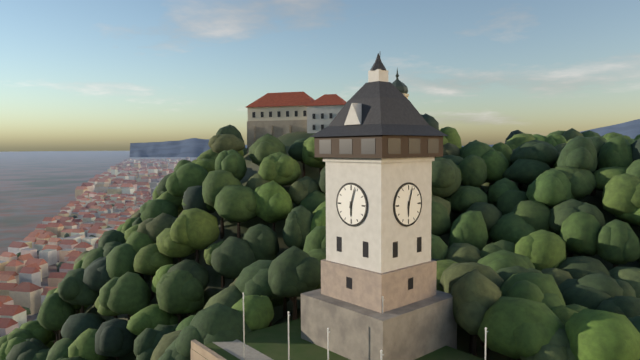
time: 6:03
